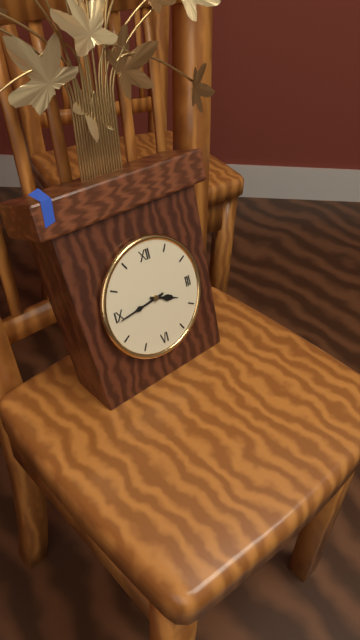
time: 3:44
